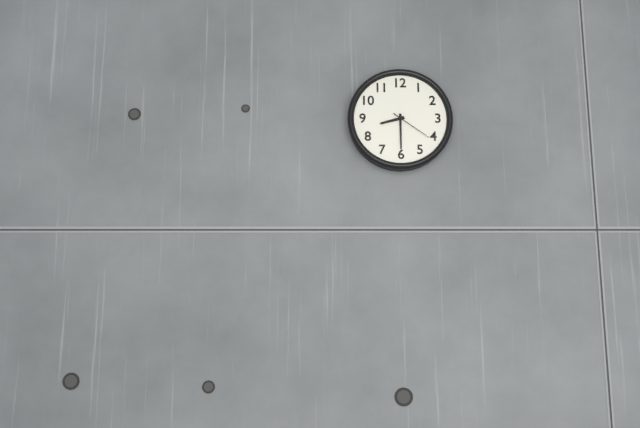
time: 8:30
